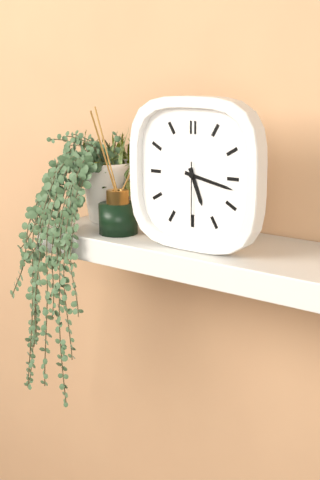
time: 5:17:30
